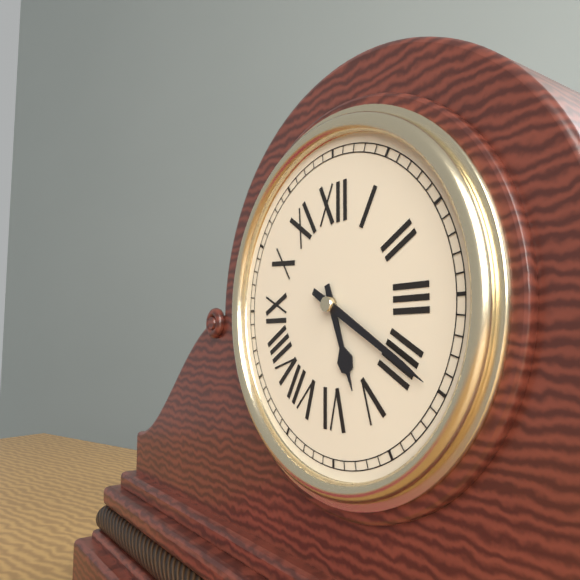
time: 5:20
